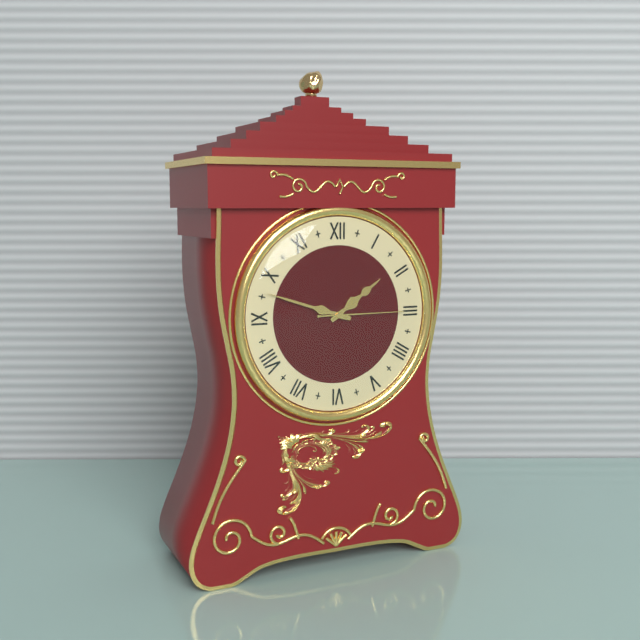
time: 1:48:15
